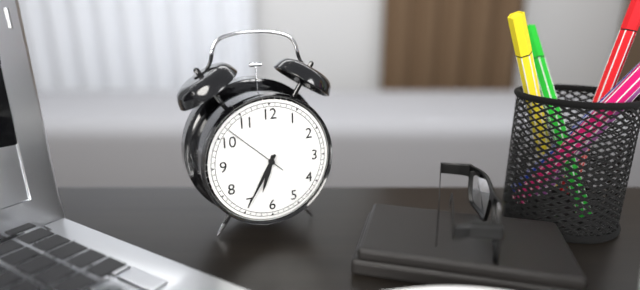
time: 6:35:52
